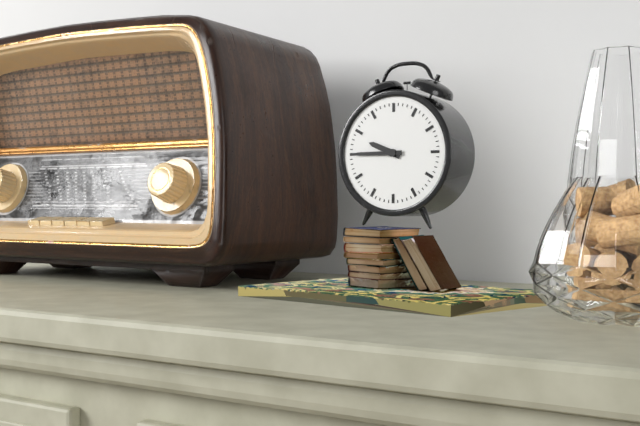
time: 9:45
